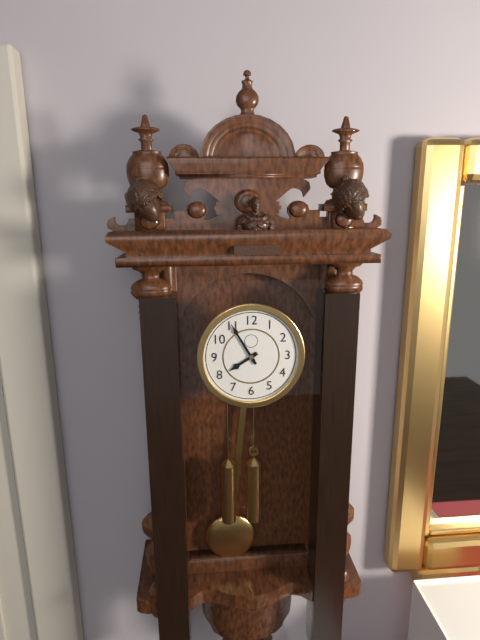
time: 7:55
